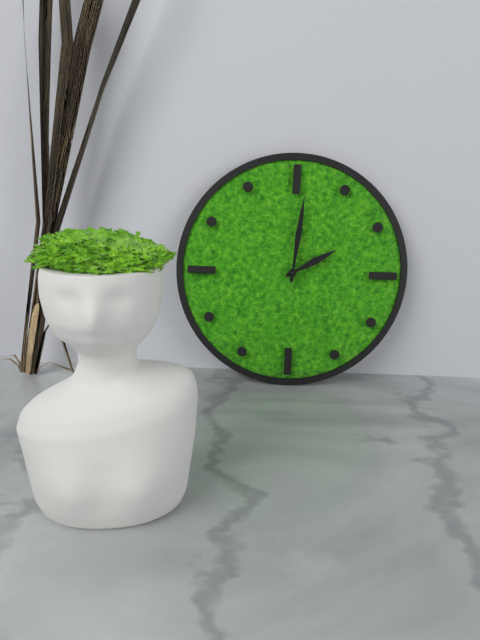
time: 2:01
